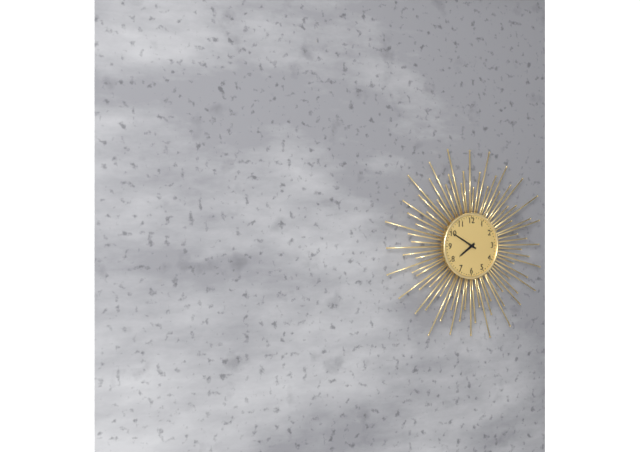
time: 7:50
